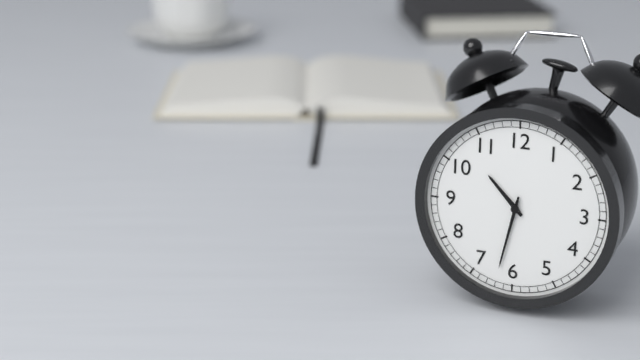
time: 10:32
